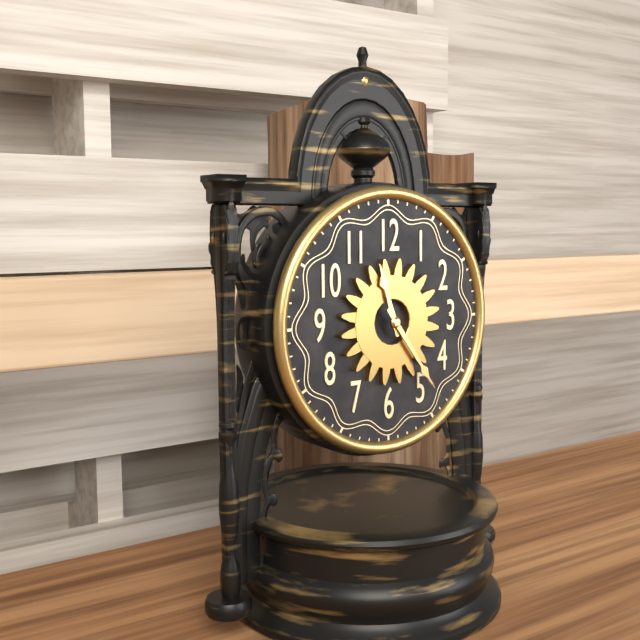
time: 11:24
